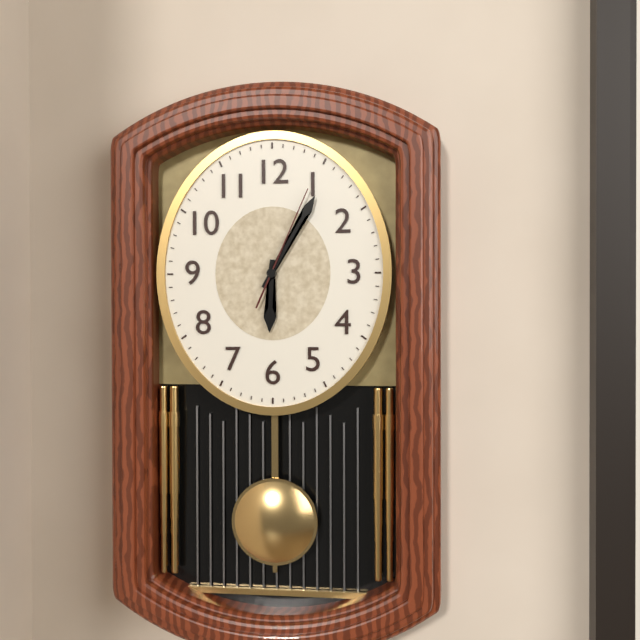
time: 6:05:04
